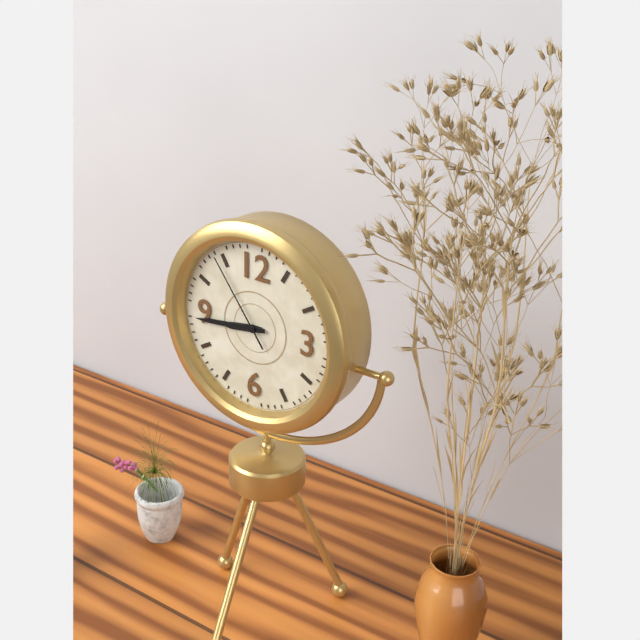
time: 8:44:54
